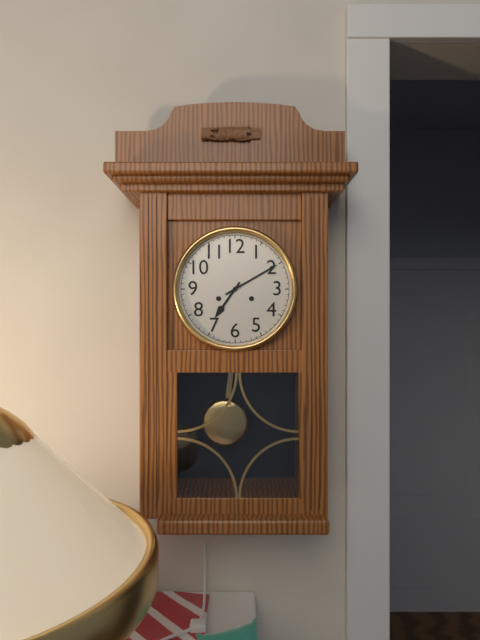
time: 7:10
